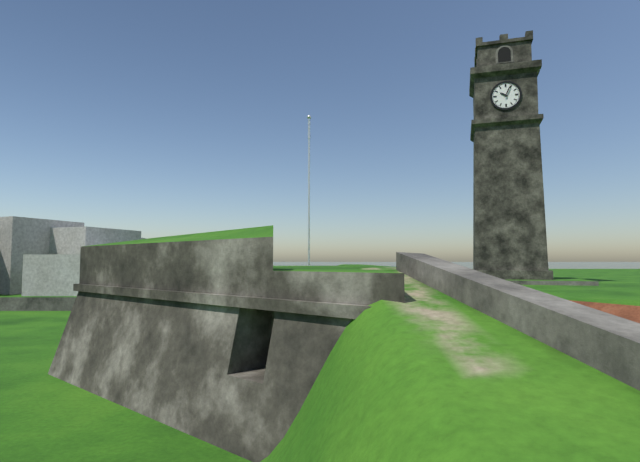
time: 10:04
